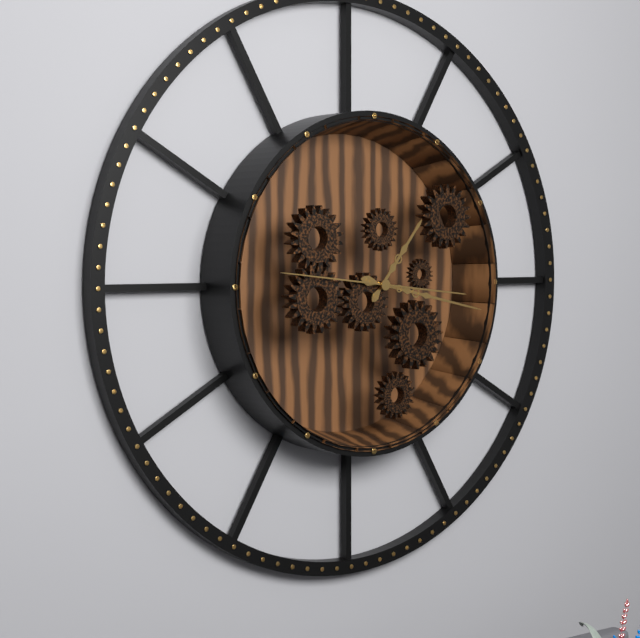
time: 1:17:46
